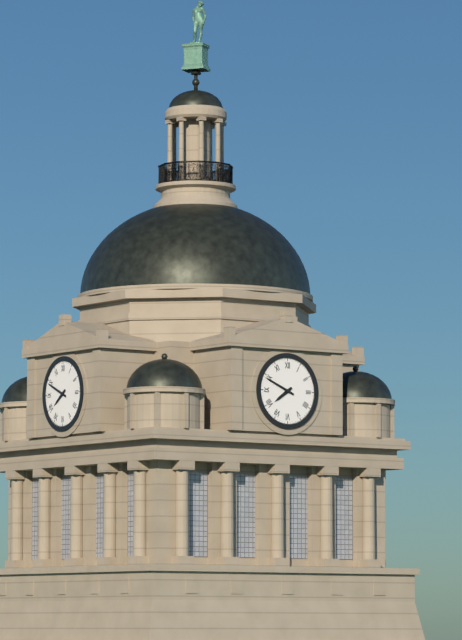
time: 7:49
